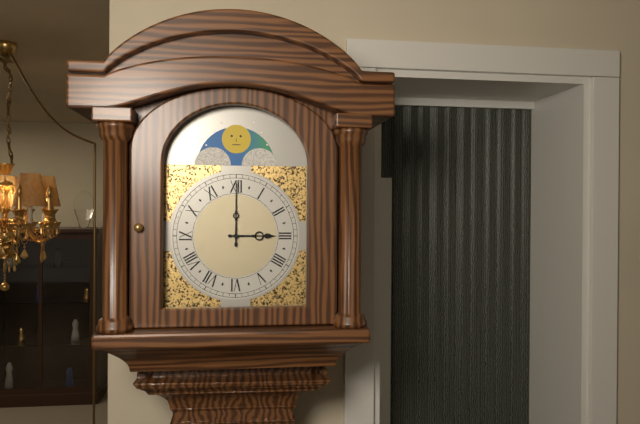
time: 3:00
